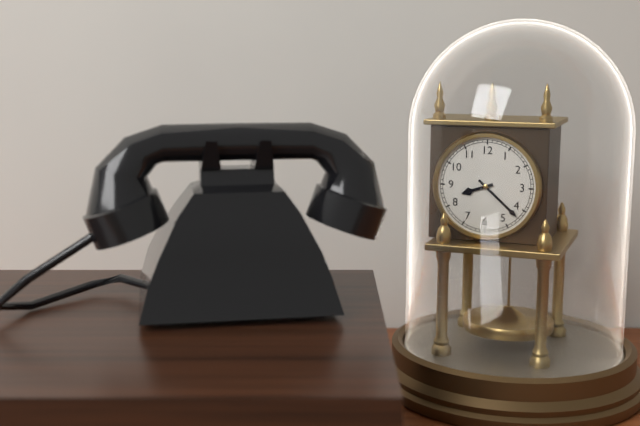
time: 8:22
